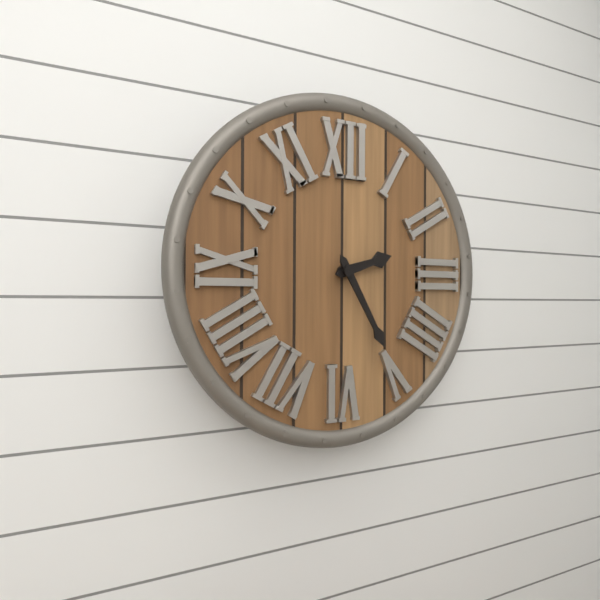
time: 2:25
